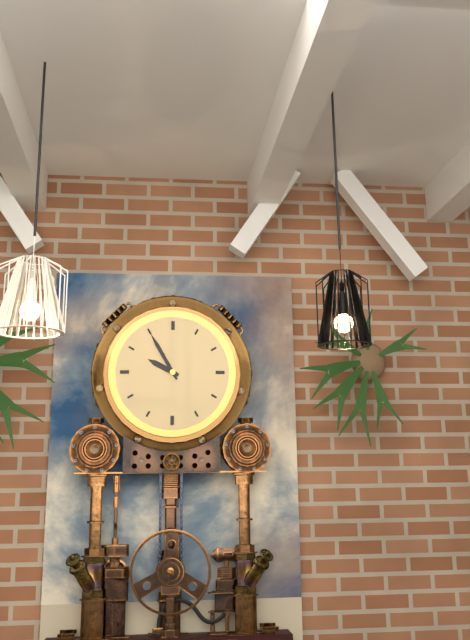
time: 9:55
